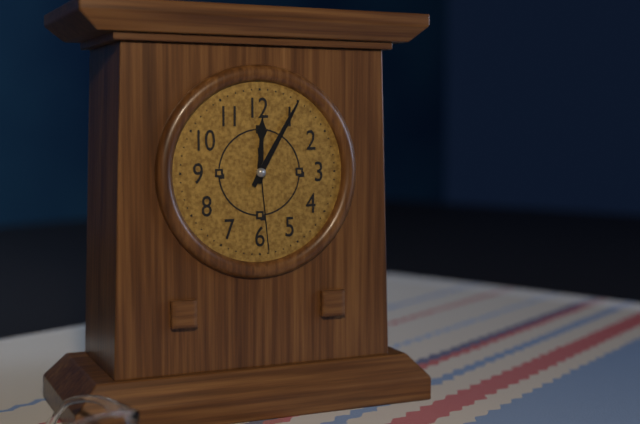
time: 12:05:29
